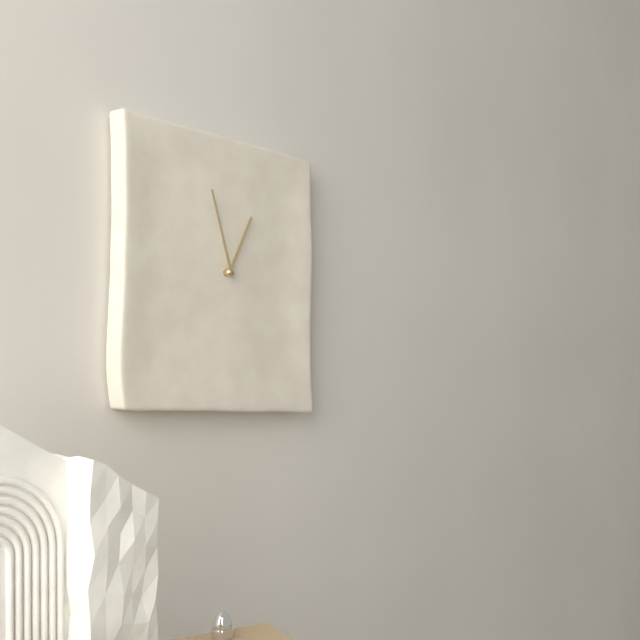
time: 12:57
